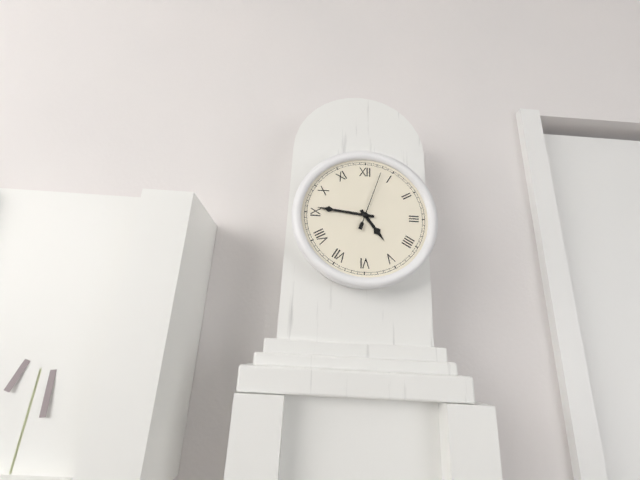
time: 4:46:03
